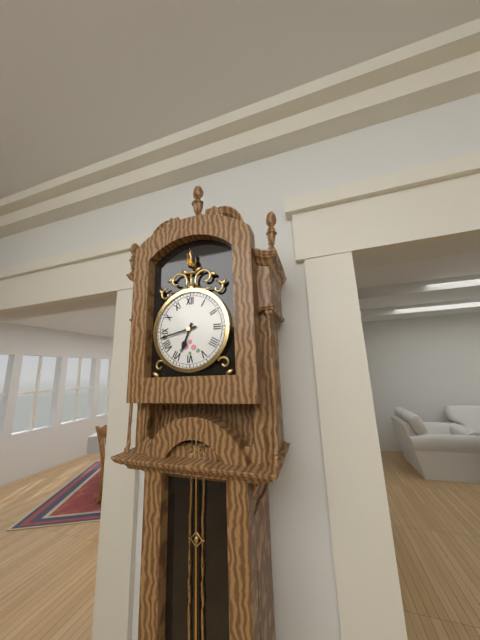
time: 6:43
